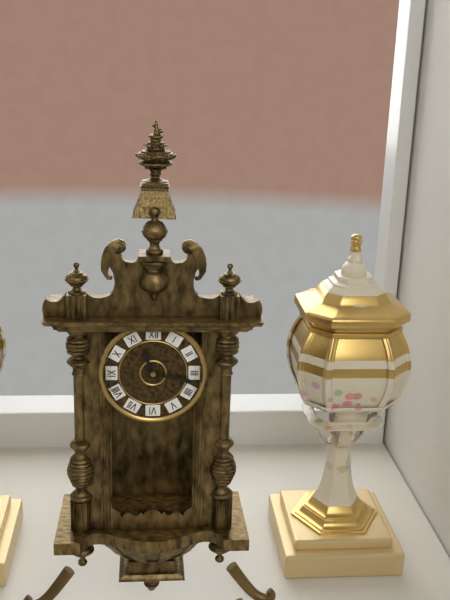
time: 11:17
